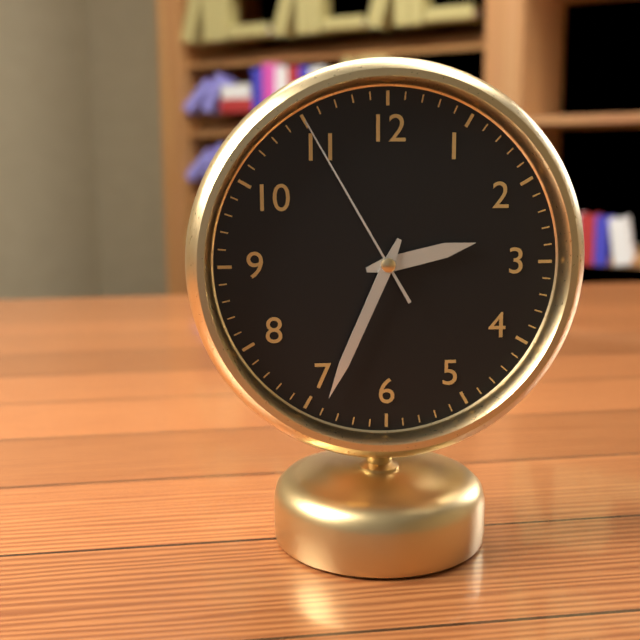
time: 2:34:55
